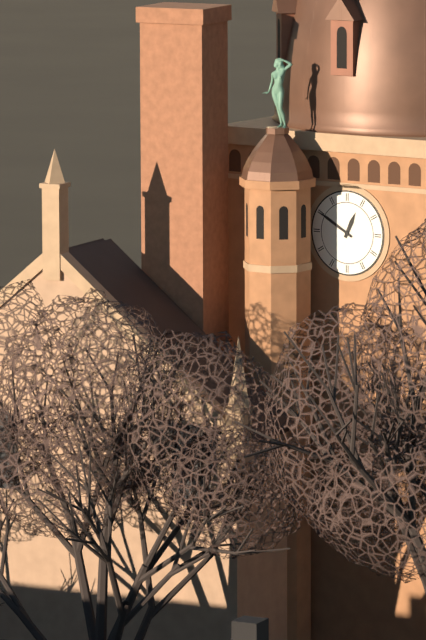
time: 12:50
